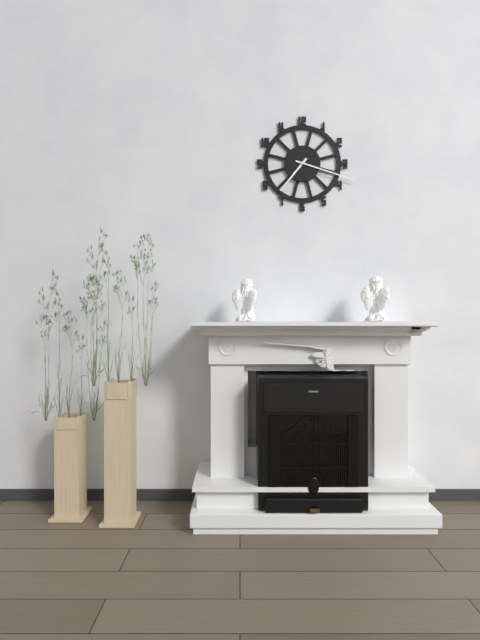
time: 7:18
